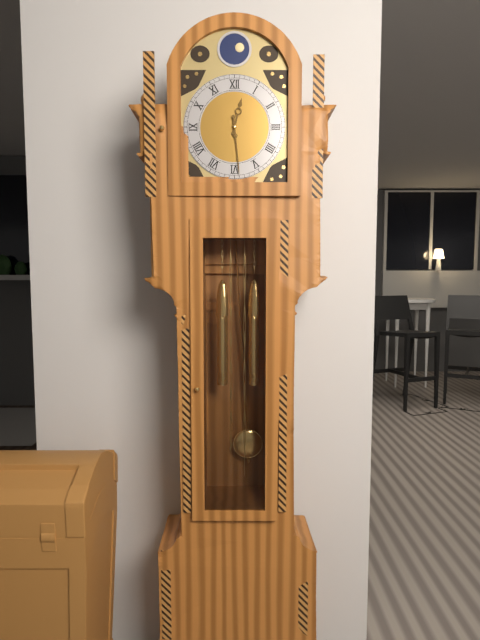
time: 12:29
